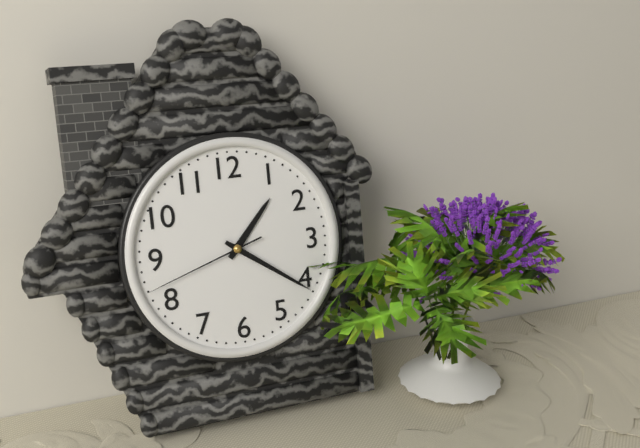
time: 1:21:42
